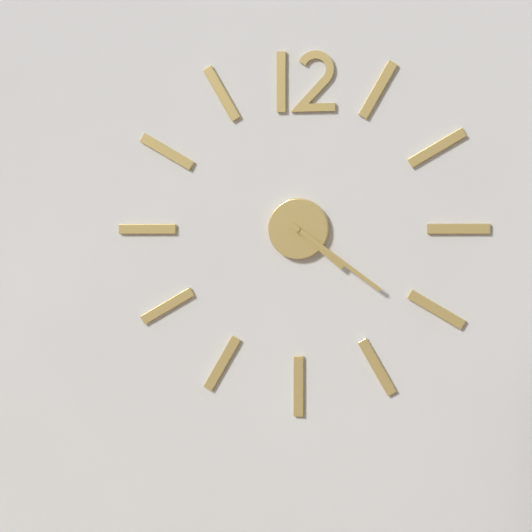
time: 4:21
